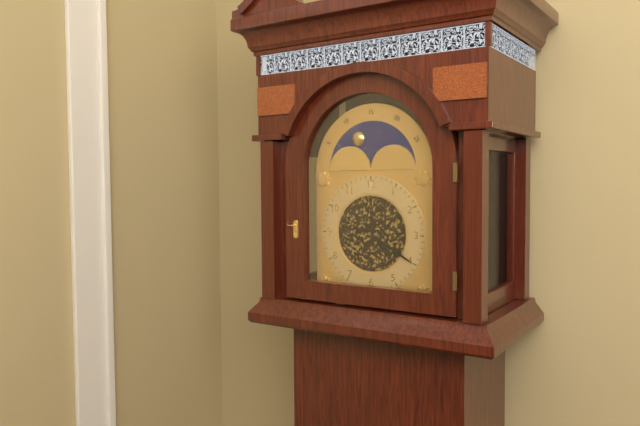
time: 4:20
